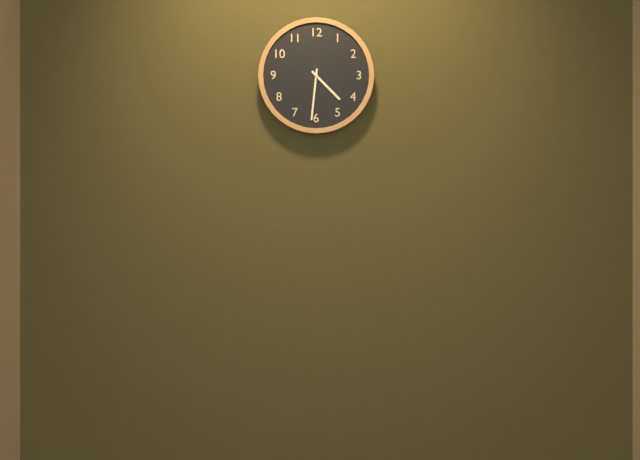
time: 4:31
